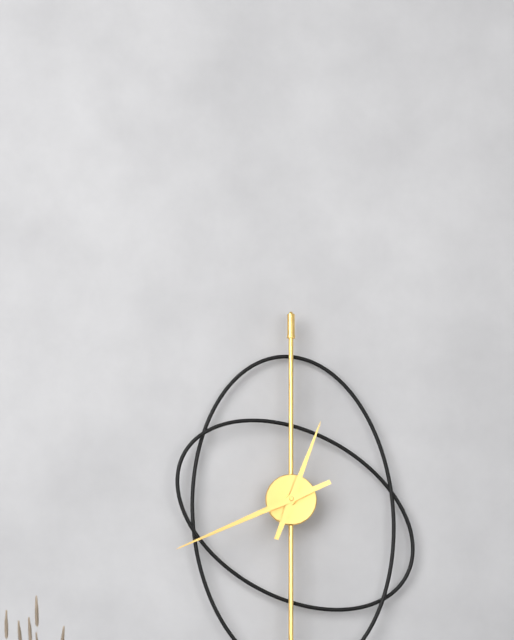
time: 12:41
